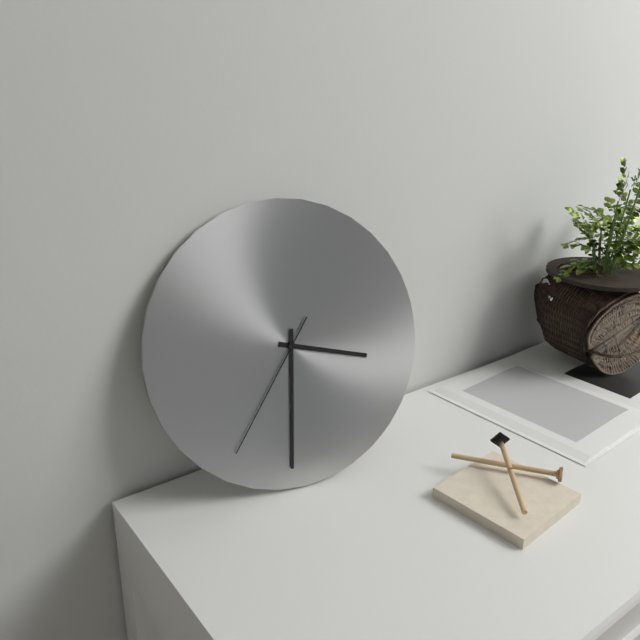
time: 3:31:36
